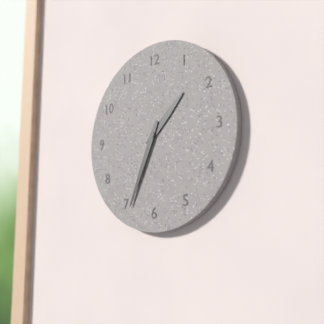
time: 1:34
